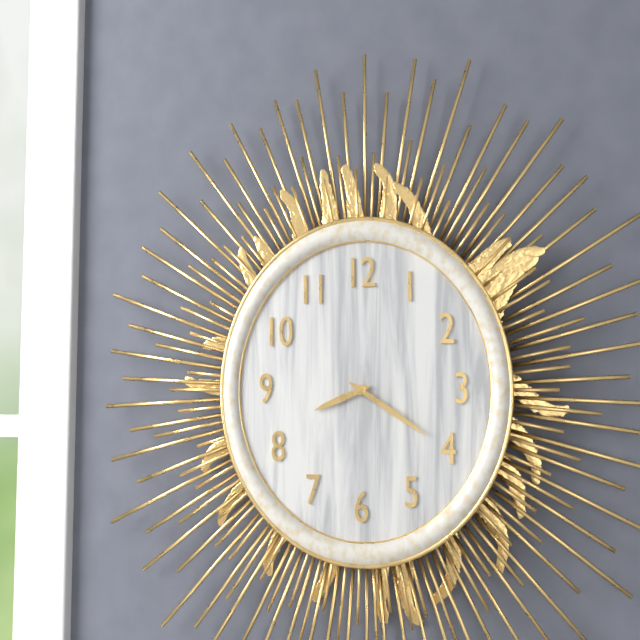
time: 8:20
